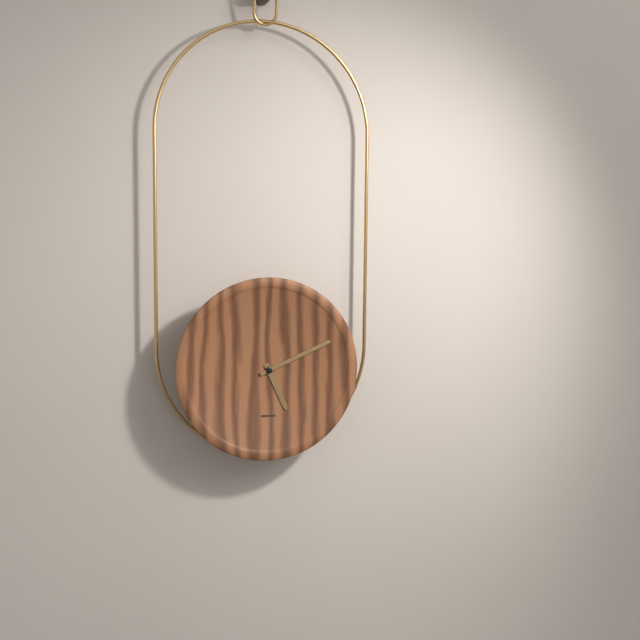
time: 5:11
